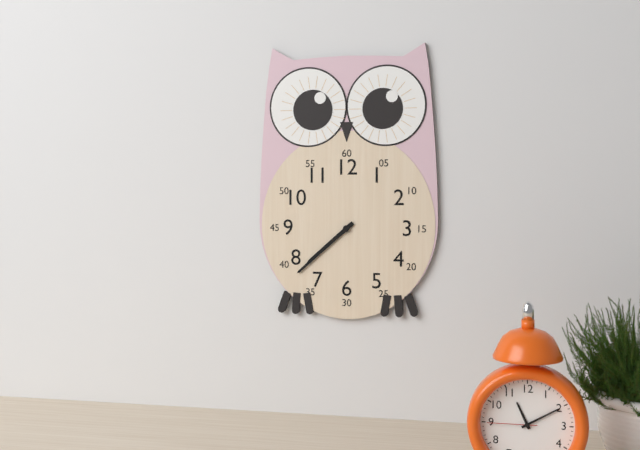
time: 7:38
